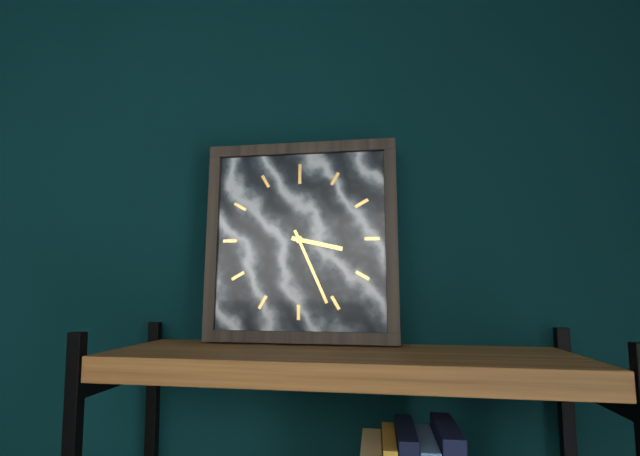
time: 3:26
